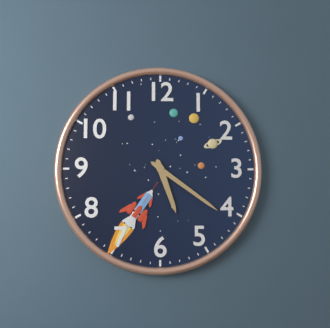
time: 5:21
